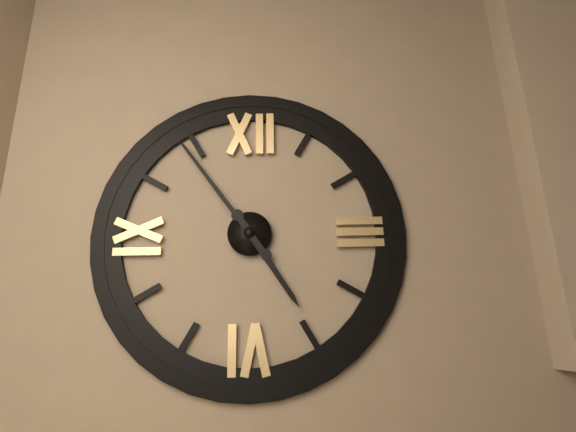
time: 4:54
